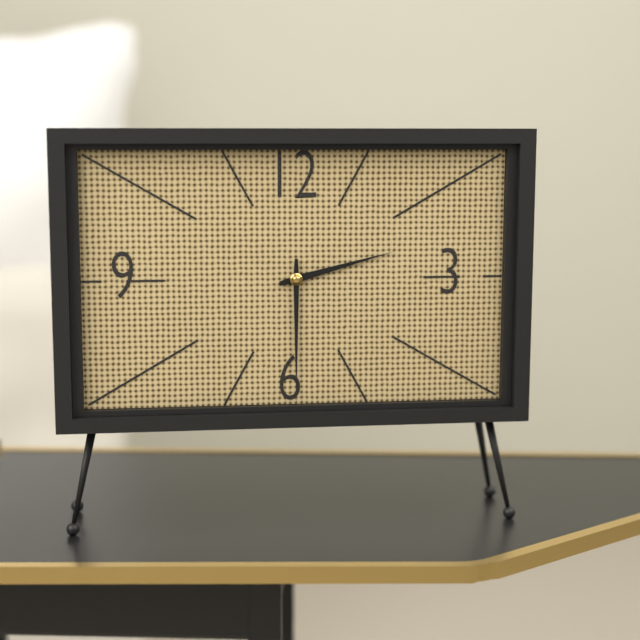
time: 2:30
